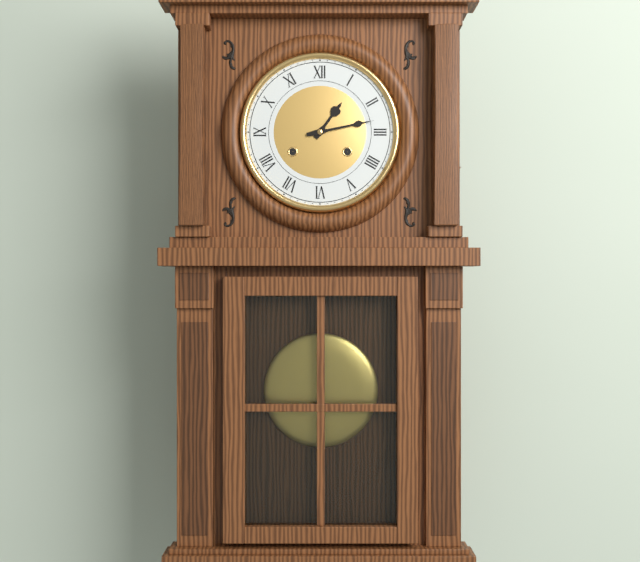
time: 1:13
